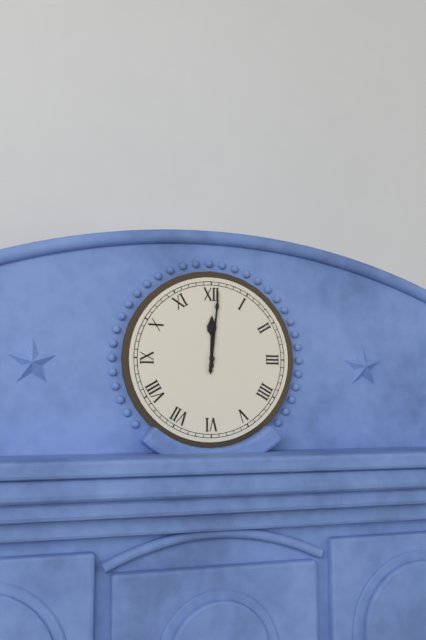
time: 12:01
